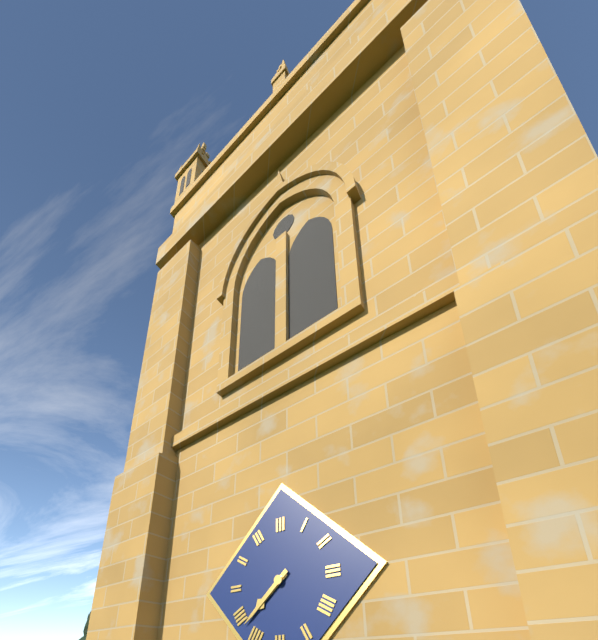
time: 7:38
